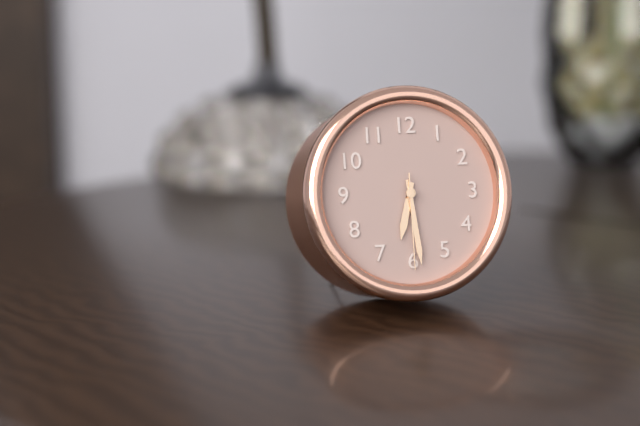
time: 6:29:30
